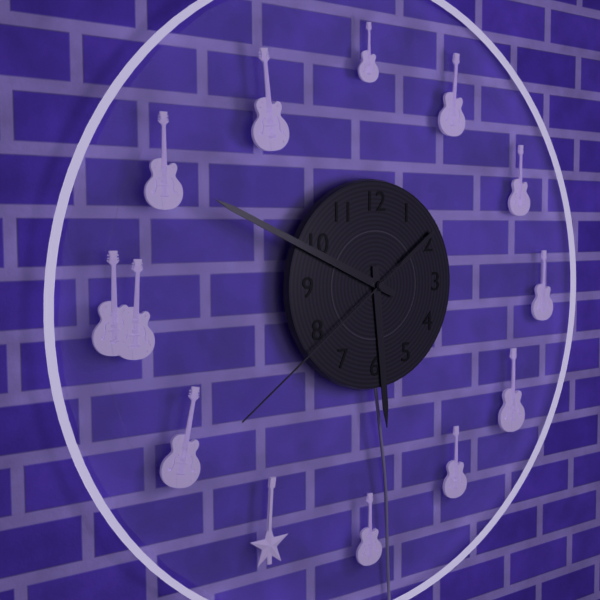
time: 5:49:39
